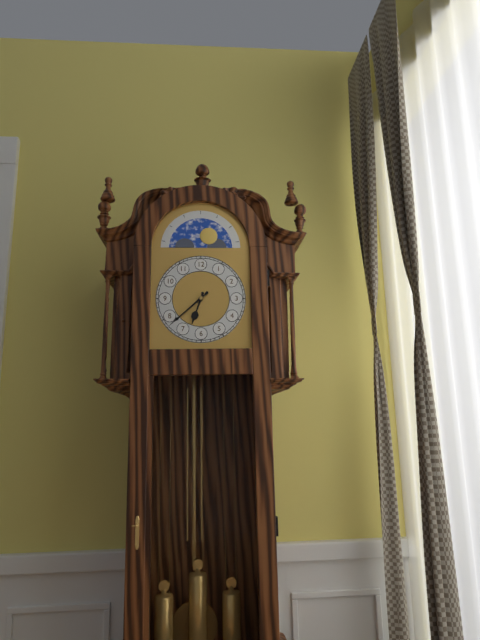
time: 6:38
